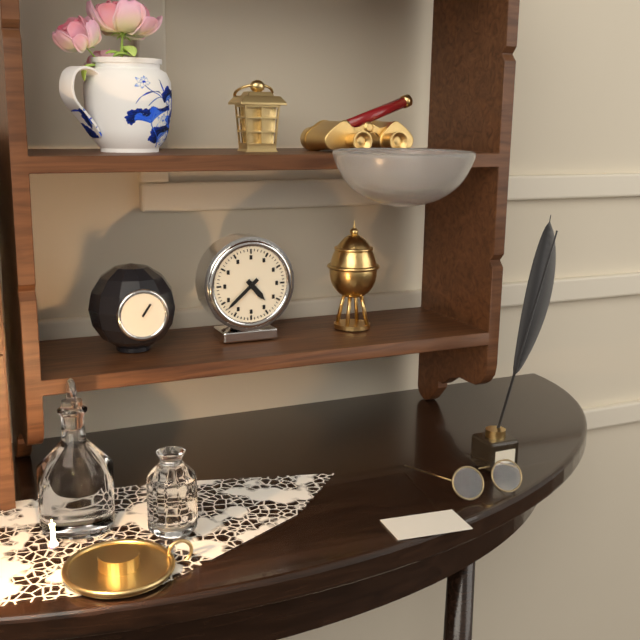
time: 4:38
